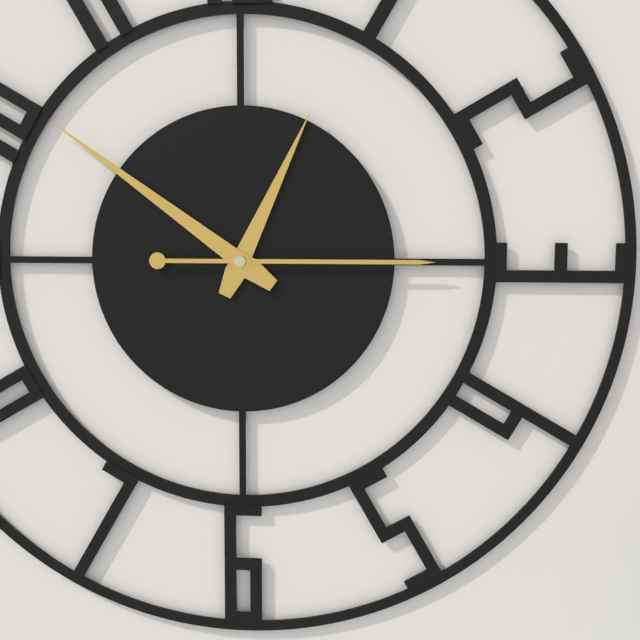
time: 12:51:15
